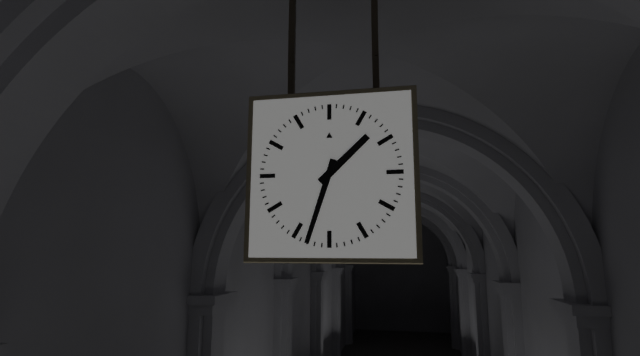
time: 1:33
